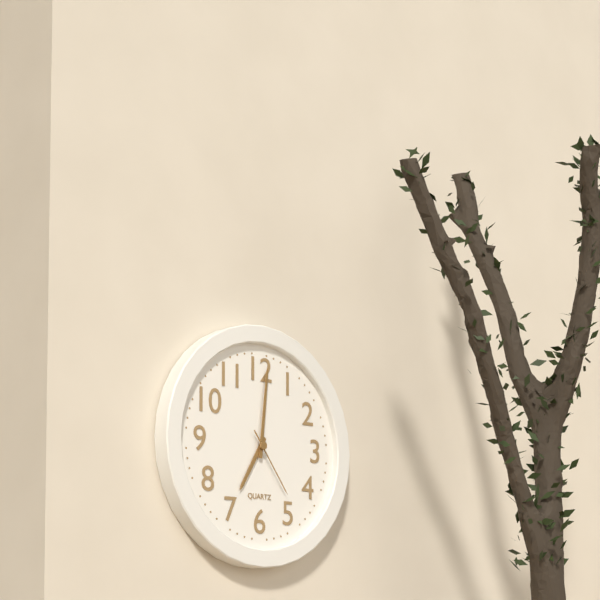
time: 7:01:24
